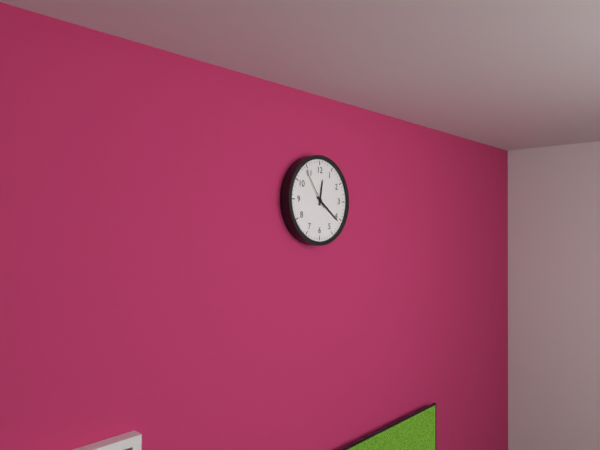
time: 12:21
